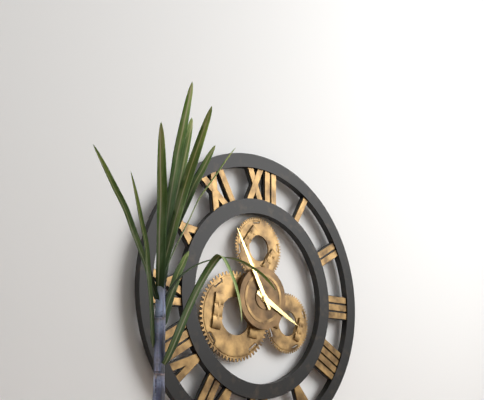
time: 3:55
